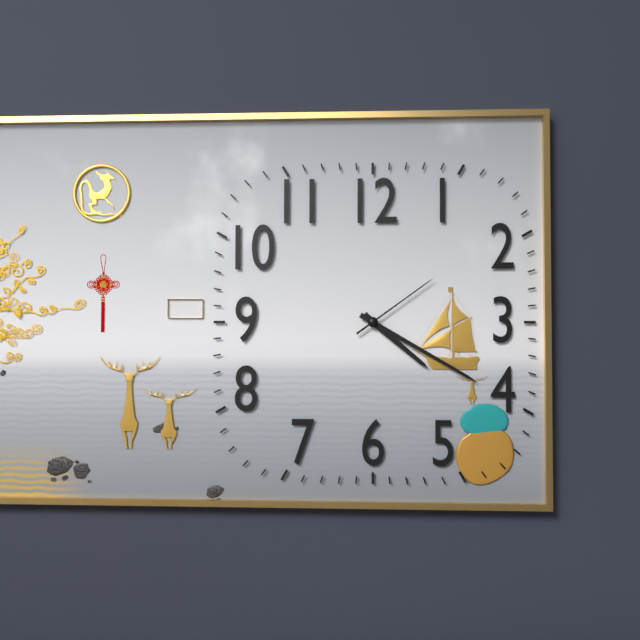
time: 4:20:09
